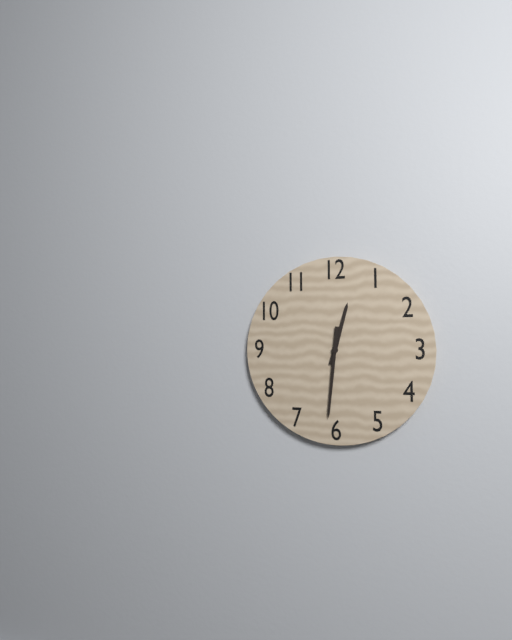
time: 12:31
